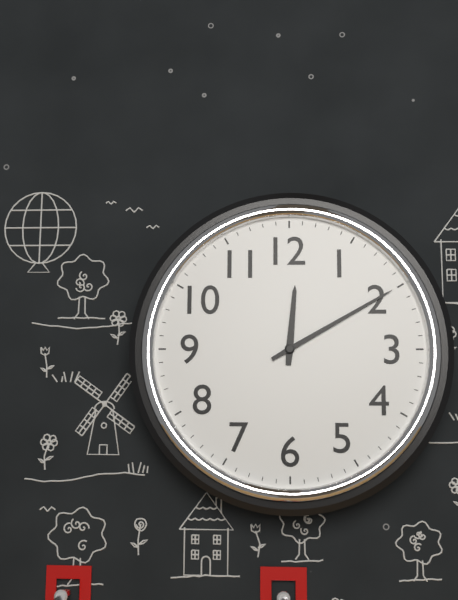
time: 12:10
